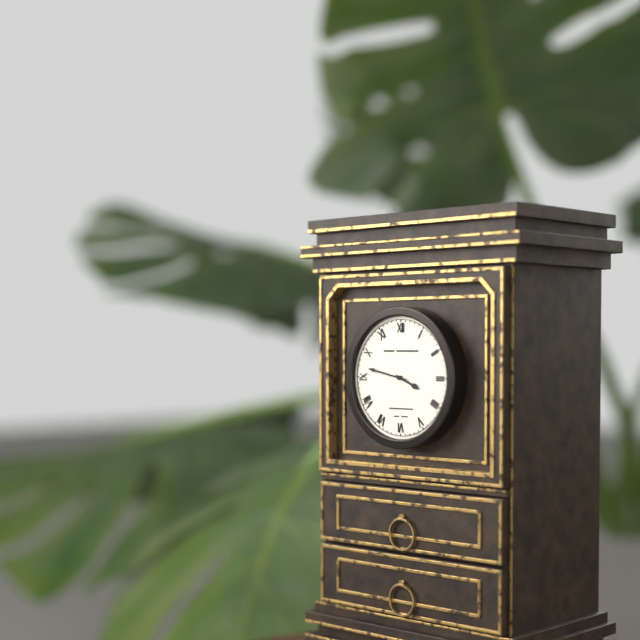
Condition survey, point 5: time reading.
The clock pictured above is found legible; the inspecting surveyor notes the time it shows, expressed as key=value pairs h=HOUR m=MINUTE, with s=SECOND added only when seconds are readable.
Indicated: h=3 m=47
